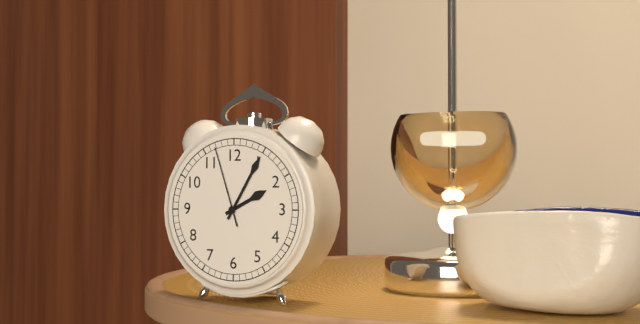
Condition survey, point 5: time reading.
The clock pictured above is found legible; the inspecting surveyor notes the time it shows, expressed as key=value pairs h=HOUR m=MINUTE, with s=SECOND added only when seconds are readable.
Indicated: h=2 m=5 s=57
